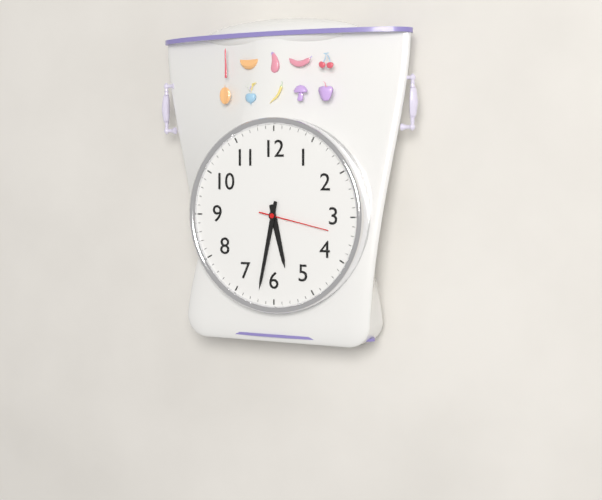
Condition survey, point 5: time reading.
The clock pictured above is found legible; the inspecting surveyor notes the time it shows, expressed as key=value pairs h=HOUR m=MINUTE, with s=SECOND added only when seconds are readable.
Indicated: h=5 m=32 s=17
